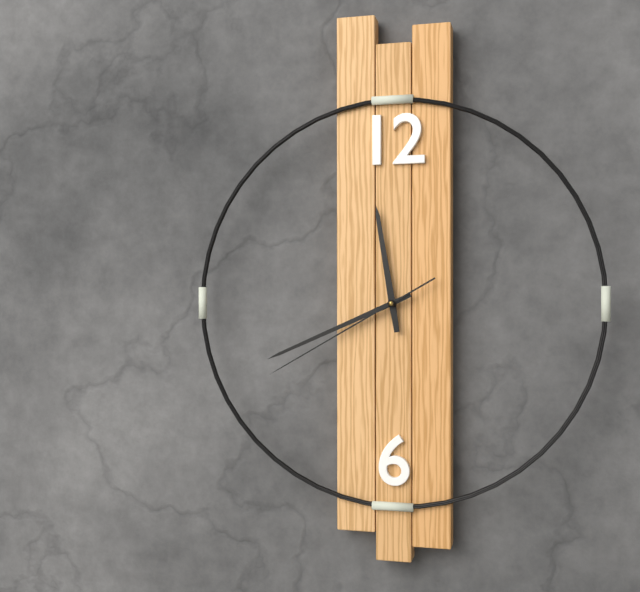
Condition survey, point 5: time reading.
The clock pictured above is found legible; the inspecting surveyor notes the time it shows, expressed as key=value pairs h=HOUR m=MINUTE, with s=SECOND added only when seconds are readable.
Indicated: h=11 m=41 s=40
